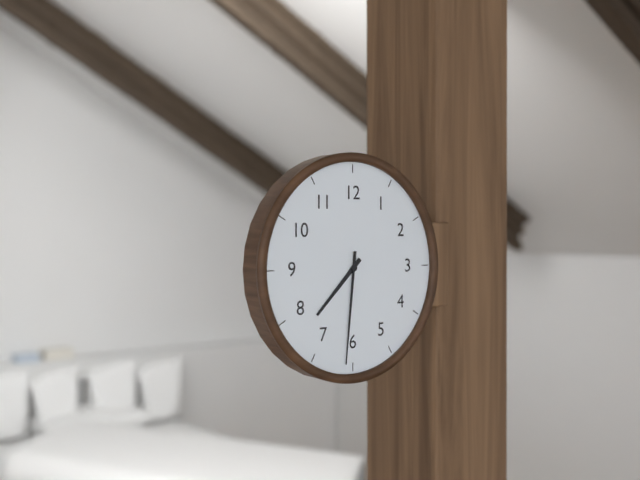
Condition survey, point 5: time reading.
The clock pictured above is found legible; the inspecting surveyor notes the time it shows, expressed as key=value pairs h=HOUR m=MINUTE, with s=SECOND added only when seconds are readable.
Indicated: h=7 m=31
